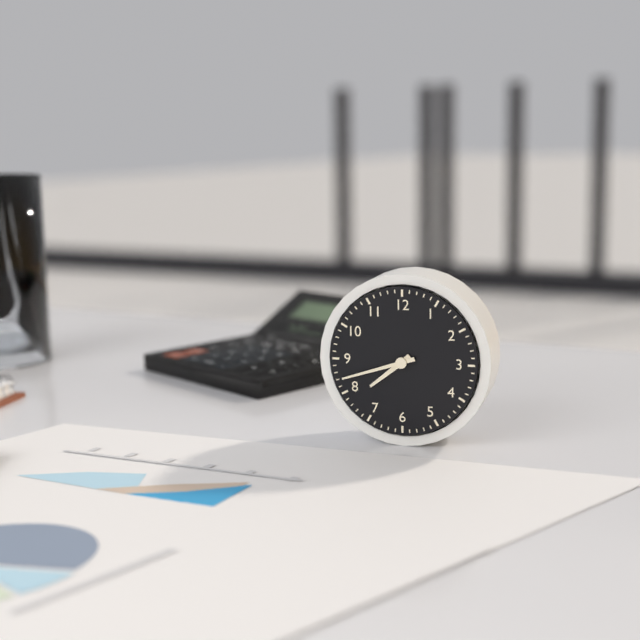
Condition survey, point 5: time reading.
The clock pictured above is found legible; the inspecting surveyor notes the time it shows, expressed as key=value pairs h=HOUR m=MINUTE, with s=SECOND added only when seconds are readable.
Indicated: h=7 m=42
